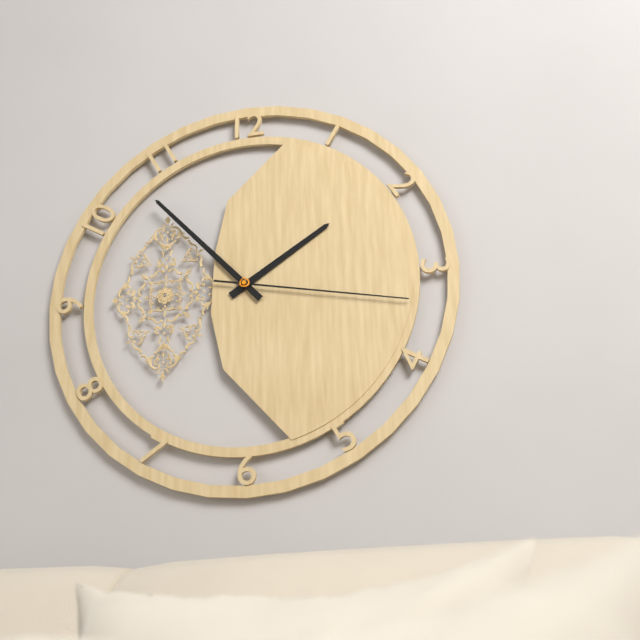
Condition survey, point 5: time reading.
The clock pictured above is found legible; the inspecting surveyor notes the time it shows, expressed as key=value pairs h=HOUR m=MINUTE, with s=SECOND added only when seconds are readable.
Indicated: h=1 m=53 s=17
